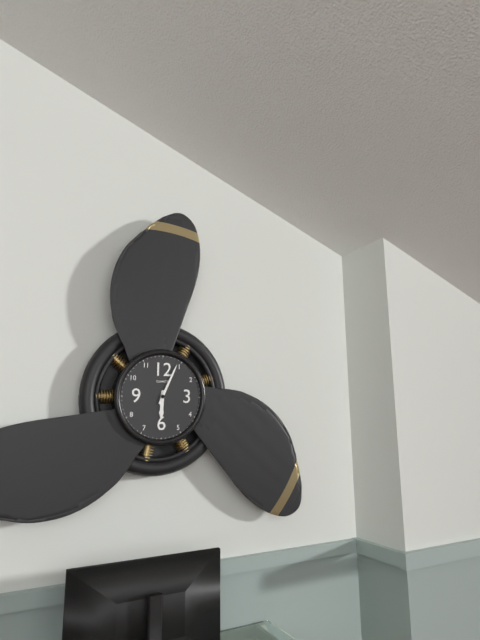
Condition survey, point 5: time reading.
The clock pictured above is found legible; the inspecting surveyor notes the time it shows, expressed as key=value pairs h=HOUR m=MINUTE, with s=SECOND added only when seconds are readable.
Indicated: h=6 m=4
